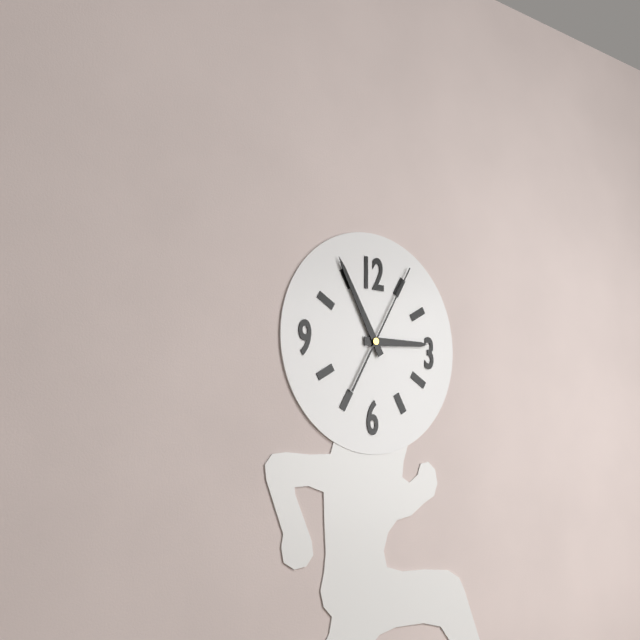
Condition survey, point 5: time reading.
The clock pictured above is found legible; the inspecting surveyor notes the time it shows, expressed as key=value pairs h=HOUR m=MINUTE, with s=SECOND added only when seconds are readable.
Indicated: h=2 m=55 s=5
